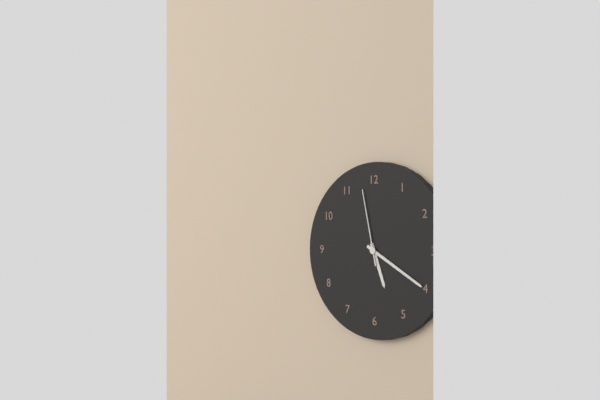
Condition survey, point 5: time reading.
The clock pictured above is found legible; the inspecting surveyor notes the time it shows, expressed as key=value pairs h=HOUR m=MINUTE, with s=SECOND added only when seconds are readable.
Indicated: h=5 m=20 s=58
